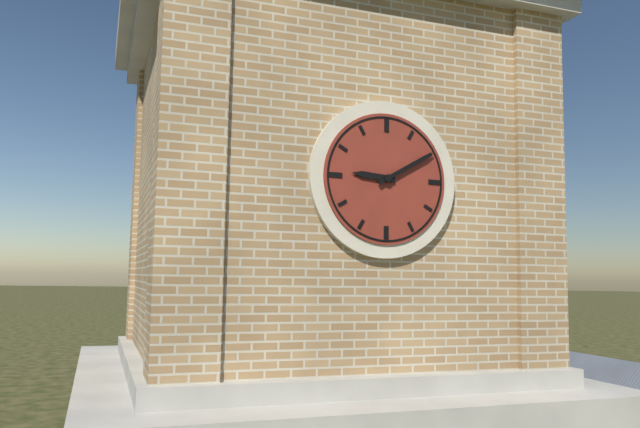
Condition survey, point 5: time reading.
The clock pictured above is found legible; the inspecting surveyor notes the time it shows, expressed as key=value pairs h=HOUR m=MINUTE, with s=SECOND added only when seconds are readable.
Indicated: h=9 m=10
